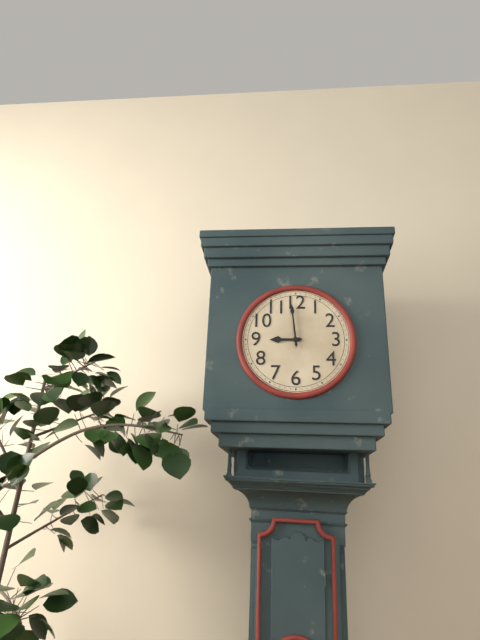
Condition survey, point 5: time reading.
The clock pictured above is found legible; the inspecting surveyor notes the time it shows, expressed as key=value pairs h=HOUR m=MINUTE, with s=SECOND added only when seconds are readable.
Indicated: h=8 m=59
